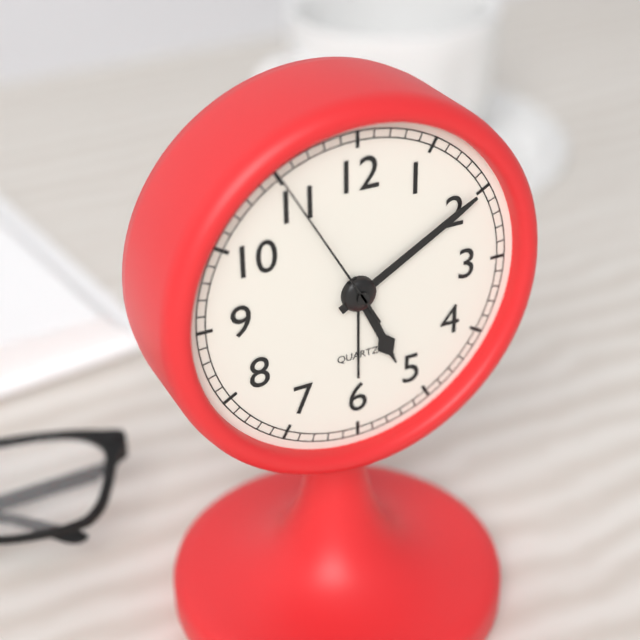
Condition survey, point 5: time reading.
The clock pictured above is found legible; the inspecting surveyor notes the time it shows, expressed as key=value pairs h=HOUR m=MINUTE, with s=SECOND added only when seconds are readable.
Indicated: h=5 m=10 s=55
